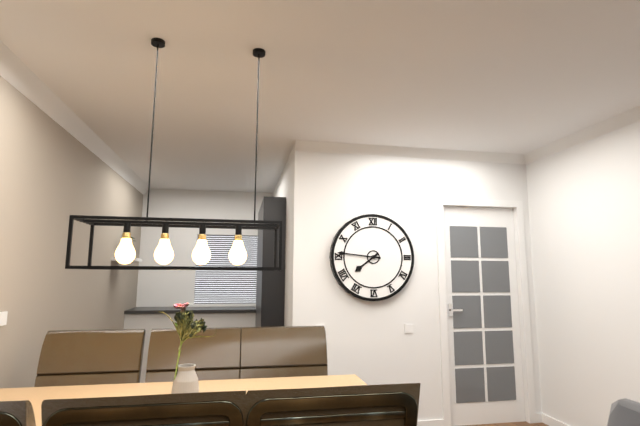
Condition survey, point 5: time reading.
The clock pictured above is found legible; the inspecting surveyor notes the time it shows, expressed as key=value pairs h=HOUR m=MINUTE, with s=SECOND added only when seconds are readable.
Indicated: h=7 m=46
